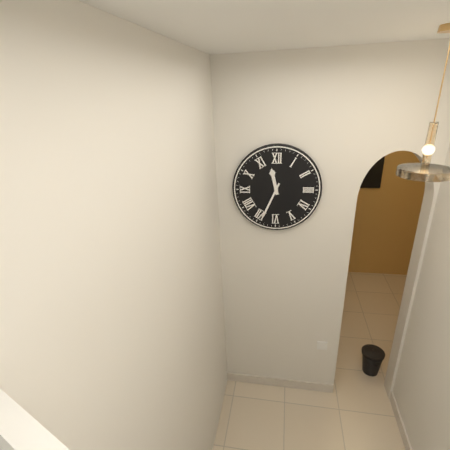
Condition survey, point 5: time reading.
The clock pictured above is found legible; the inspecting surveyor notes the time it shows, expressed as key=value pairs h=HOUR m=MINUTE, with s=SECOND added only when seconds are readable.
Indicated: h=11 m=34
